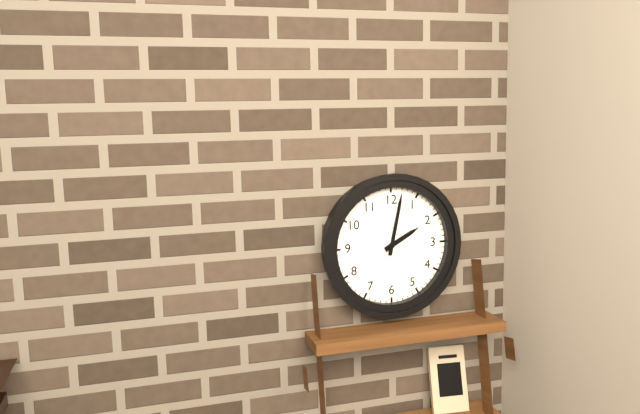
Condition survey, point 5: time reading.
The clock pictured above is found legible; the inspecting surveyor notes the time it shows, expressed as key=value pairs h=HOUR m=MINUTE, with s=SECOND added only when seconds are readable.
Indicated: h=2 m=2
